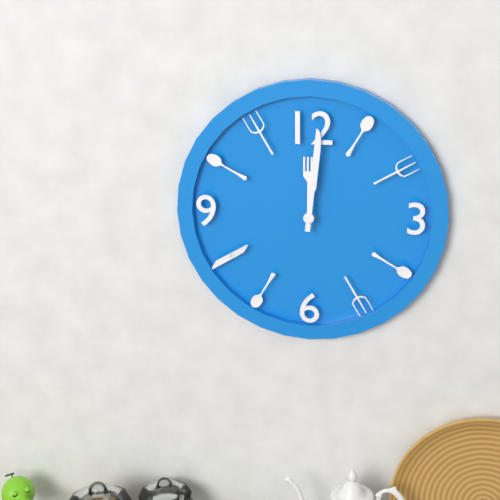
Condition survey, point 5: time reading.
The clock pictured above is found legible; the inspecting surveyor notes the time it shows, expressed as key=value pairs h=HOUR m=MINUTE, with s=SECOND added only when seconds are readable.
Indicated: h=12 m=1
